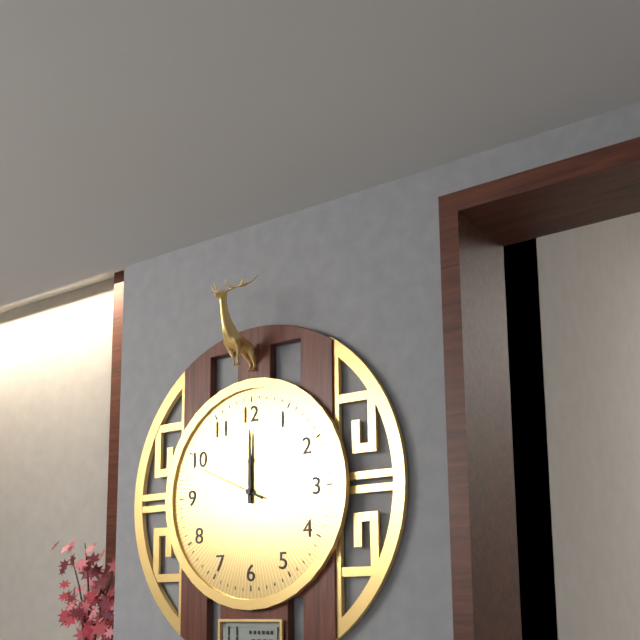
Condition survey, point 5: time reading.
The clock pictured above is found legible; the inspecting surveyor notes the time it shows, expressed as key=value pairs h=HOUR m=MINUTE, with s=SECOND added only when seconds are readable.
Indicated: h=12 m=0 s=49
